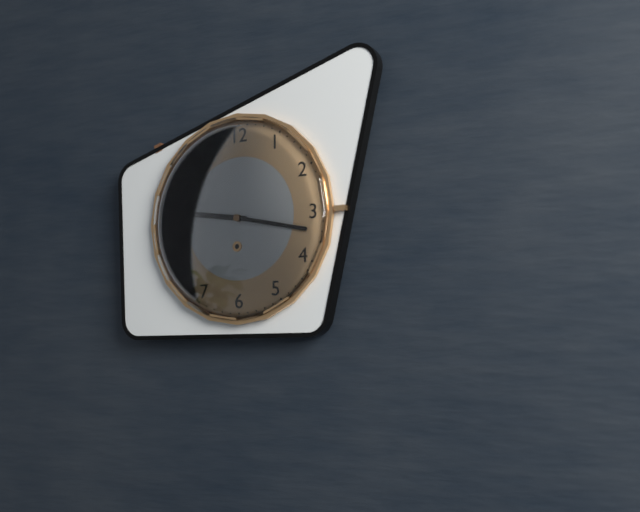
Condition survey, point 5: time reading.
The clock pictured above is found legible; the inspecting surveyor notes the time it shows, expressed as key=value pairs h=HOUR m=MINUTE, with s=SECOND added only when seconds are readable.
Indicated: h=9 m=17
